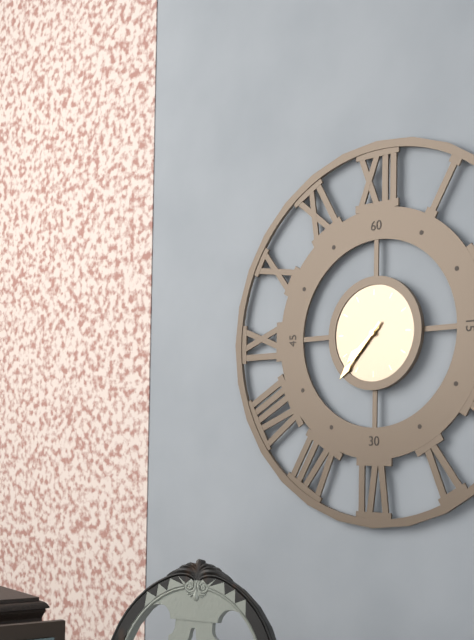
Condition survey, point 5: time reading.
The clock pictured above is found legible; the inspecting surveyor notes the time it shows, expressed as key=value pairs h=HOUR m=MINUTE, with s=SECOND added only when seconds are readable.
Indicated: h=7 m=37
